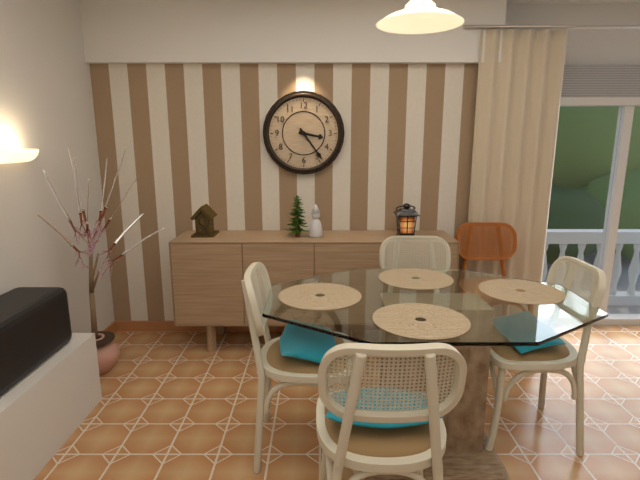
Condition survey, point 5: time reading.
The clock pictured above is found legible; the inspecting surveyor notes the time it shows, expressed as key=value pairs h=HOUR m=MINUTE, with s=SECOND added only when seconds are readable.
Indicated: h=3 m=24
